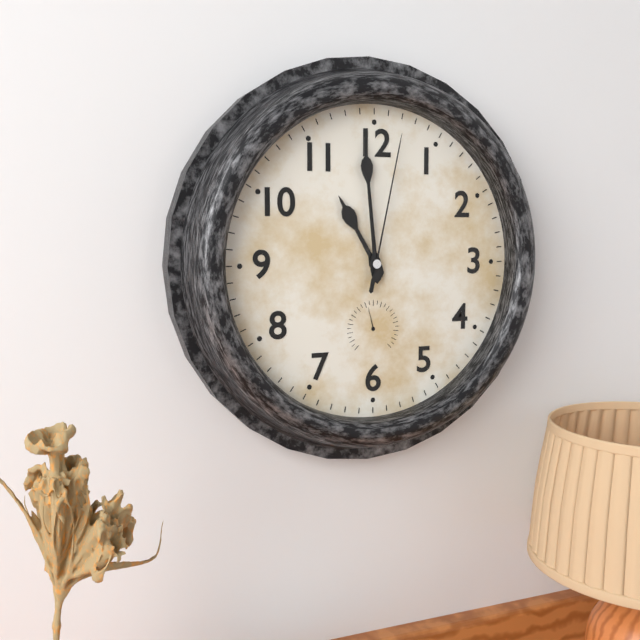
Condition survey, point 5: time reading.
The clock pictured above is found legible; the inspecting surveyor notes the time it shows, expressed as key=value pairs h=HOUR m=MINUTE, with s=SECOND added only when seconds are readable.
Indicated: h=10 m=59 s=2
